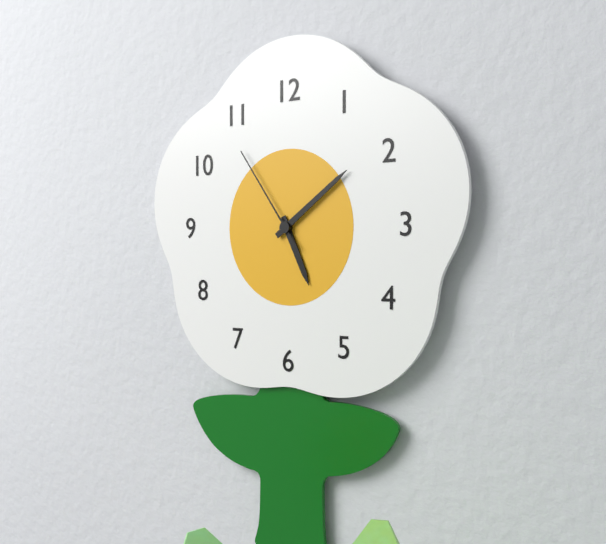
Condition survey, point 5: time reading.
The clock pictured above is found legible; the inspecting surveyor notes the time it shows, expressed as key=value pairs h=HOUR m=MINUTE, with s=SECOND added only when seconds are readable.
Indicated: h=5 m=9 s=54
